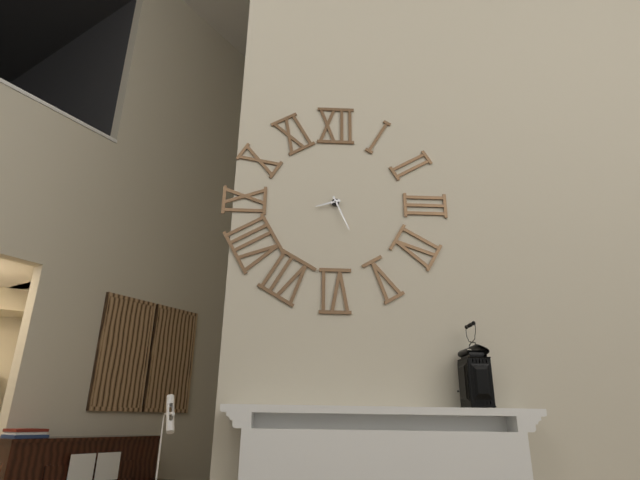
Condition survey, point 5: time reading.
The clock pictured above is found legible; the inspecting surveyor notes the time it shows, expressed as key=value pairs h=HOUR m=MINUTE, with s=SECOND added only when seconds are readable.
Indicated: h=8 m=26
